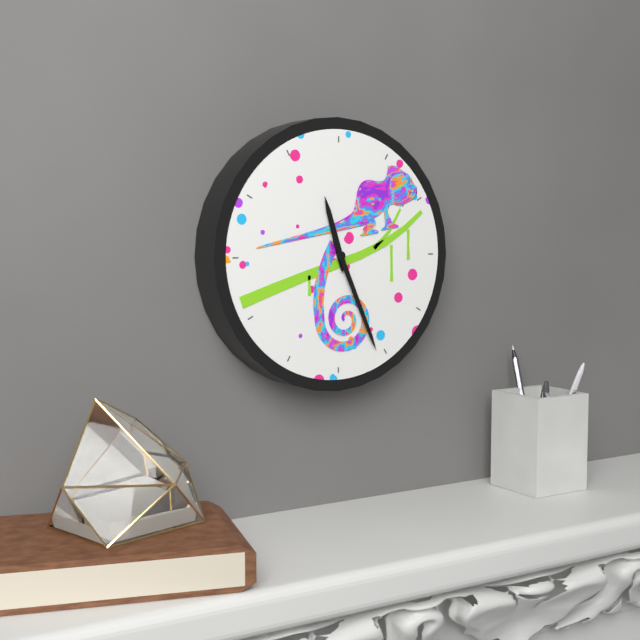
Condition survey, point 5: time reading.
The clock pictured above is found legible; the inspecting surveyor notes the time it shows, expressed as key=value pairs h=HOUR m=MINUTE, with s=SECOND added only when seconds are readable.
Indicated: h=11 m=26
